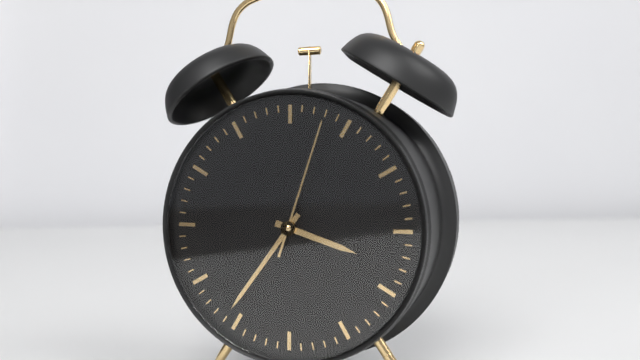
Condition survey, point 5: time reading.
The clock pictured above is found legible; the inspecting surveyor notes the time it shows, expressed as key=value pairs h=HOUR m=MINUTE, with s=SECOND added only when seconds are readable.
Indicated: h=3 m=36 s=3
